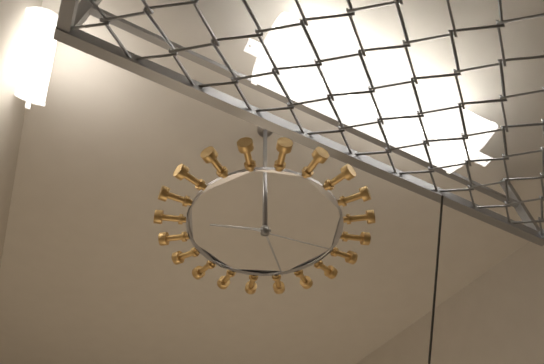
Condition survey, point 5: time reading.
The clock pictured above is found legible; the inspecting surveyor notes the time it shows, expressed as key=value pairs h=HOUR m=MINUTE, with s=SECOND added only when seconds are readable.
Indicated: h=8 m=23 s=14
